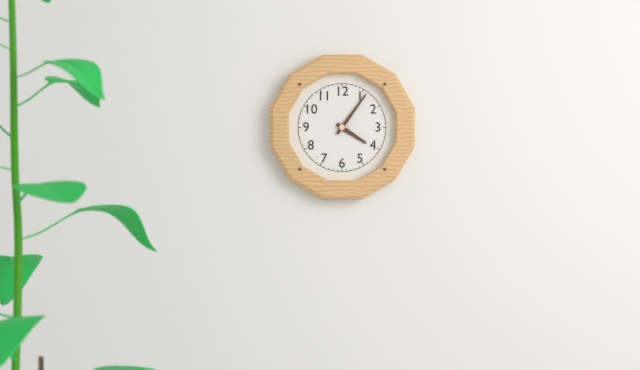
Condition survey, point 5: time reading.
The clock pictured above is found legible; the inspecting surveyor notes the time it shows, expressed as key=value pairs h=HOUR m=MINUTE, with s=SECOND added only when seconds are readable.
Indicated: h=4 m=6
